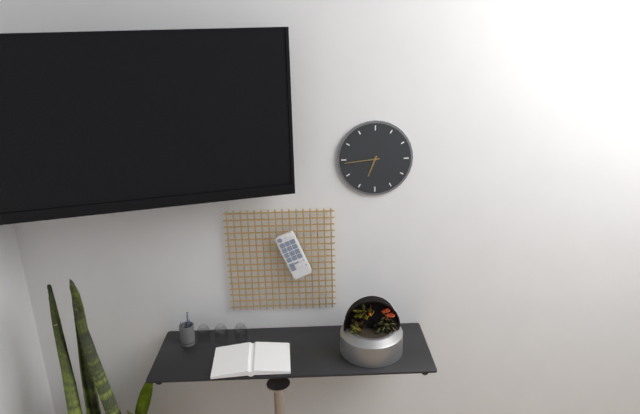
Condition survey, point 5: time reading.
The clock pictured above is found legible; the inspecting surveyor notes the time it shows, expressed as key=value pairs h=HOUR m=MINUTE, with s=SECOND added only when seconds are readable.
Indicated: h=6 m=44
